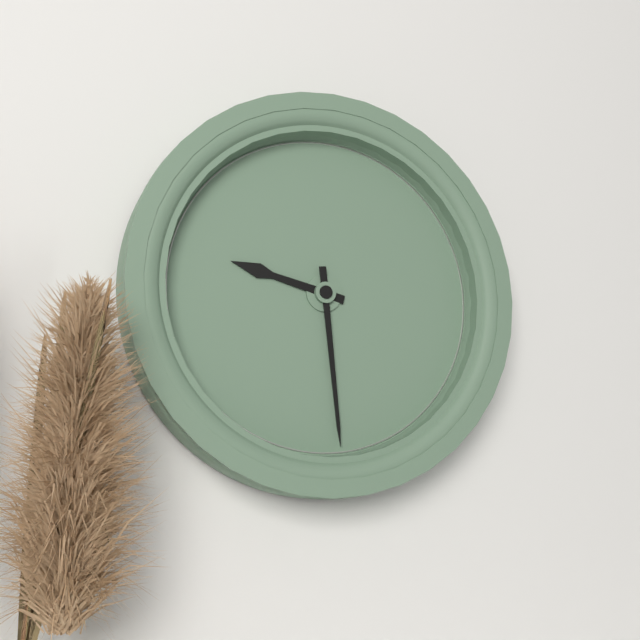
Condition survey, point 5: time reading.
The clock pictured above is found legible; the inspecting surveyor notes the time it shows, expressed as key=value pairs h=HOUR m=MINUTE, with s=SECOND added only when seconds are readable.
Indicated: h=9 m=29
